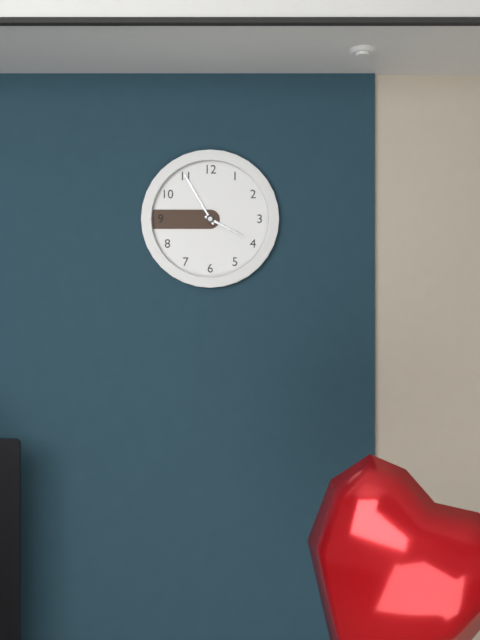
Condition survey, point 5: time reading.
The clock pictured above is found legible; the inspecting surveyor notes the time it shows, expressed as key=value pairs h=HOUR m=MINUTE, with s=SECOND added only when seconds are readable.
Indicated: h=3 m=55
